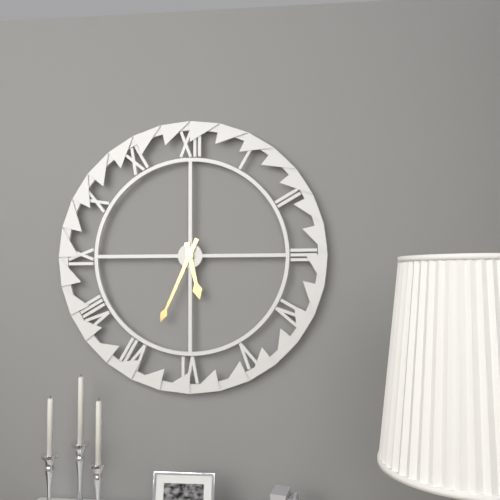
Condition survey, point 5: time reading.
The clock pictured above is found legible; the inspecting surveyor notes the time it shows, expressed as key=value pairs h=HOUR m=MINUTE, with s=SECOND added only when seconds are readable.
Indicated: h=5 m=34
